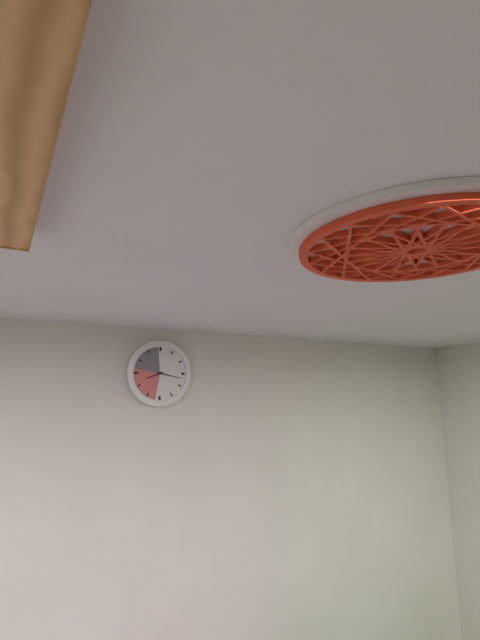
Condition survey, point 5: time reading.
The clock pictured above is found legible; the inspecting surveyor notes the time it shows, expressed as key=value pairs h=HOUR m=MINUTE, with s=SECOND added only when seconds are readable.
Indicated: h=8 m=17
